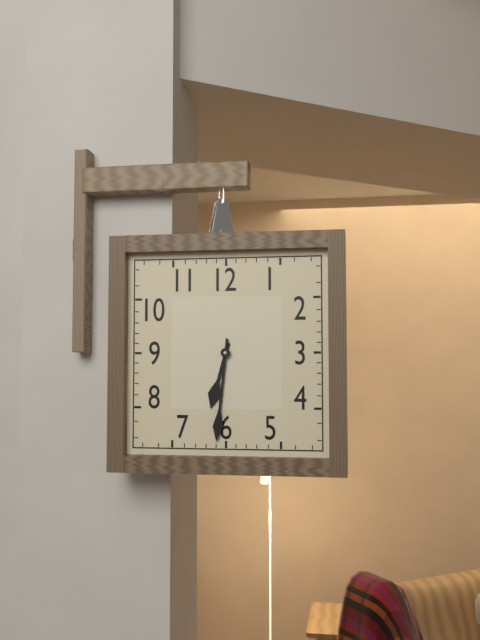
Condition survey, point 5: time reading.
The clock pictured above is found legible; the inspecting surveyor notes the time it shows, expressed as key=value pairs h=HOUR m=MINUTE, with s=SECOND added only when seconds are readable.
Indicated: h=6 m=31
